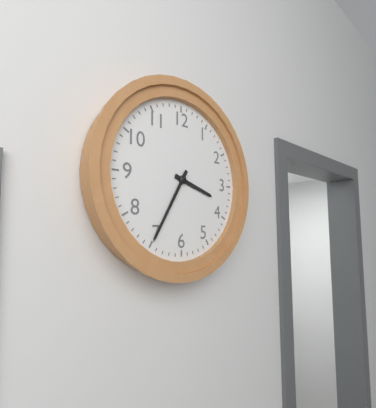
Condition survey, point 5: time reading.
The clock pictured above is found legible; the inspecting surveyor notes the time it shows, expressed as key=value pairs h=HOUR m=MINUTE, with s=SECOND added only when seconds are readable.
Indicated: h=3 m=35
